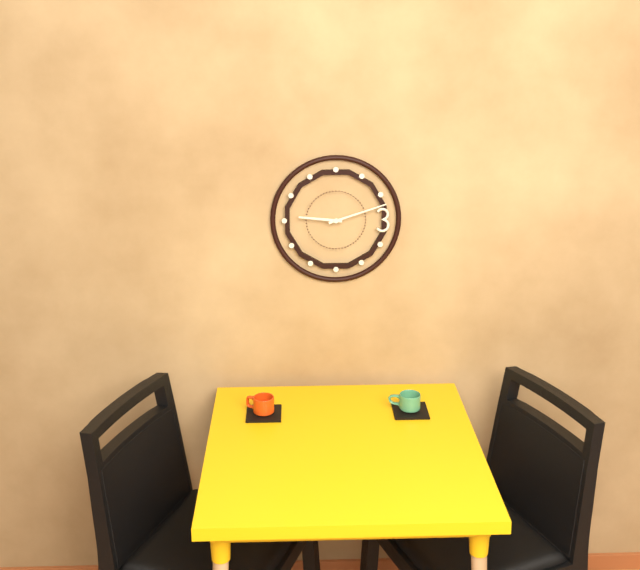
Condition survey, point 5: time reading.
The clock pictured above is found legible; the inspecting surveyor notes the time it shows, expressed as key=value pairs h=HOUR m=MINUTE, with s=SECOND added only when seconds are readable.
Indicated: h=9 m=12
